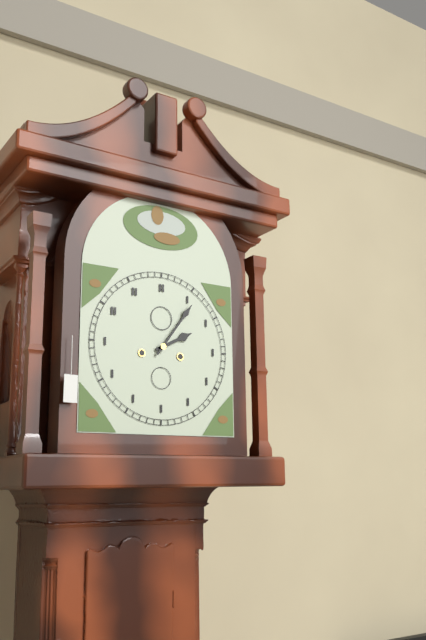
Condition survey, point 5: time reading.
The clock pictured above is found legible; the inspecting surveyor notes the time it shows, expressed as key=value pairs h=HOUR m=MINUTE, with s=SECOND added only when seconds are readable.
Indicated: h=2 m=6
